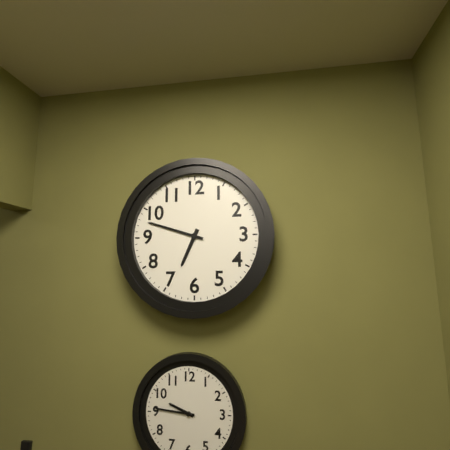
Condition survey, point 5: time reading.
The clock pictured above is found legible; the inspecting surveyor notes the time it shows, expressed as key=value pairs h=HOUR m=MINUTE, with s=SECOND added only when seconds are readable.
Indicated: h=6 m=48
